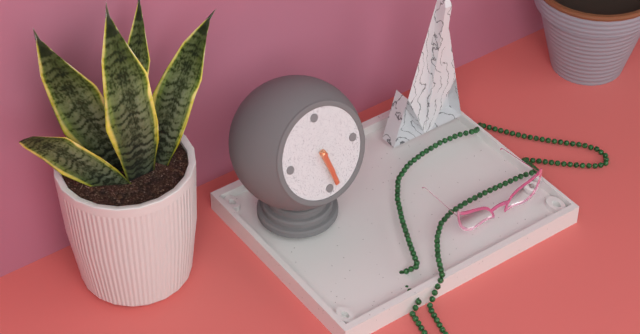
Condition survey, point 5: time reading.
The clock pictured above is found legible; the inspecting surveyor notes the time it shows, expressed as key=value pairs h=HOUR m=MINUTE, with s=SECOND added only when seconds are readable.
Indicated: h=5 m=28
